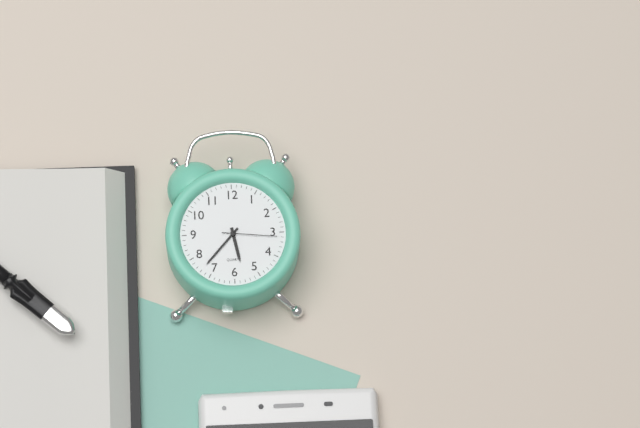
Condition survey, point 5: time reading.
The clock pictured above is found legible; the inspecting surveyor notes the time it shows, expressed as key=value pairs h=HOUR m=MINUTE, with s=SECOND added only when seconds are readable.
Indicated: h=5 m=37 s=16
